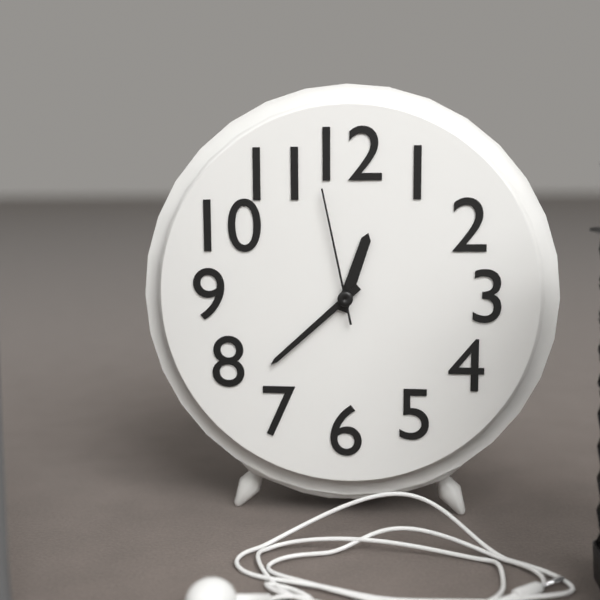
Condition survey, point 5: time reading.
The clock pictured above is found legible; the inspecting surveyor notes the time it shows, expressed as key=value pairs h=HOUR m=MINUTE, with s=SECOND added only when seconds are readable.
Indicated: h=12 m=38 s=58
